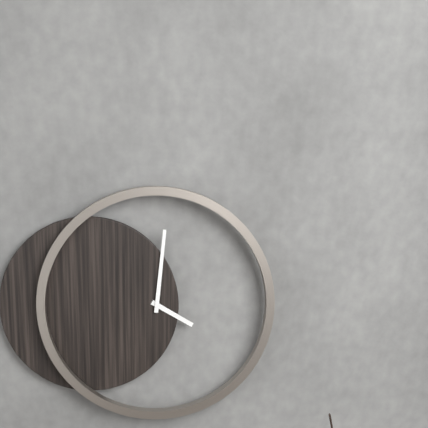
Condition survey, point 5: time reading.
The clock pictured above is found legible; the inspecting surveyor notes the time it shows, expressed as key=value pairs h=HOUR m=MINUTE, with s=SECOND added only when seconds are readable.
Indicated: h=4 m=1
